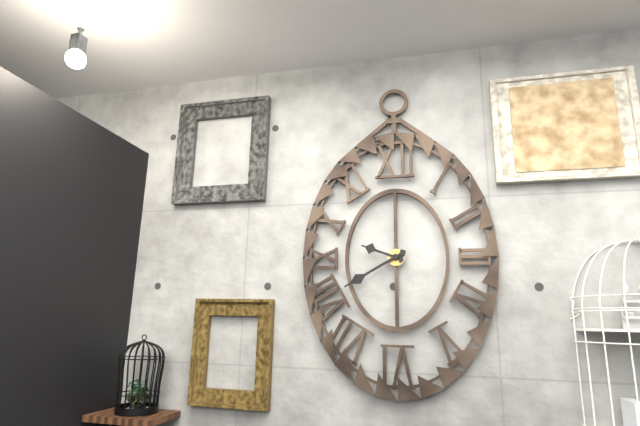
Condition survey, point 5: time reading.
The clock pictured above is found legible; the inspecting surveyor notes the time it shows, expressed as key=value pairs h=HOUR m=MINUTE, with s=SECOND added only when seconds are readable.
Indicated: h=9 m=40
